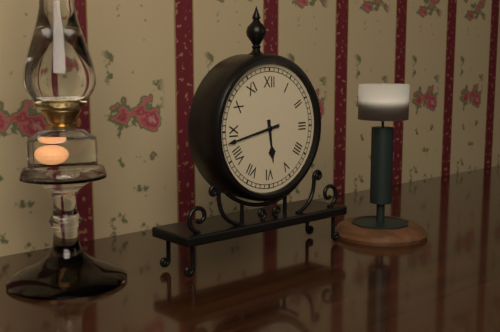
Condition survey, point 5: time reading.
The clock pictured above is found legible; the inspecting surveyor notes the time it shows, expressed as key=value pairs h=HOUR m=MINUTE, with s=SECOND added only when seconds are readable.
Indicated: h=5 m=43
